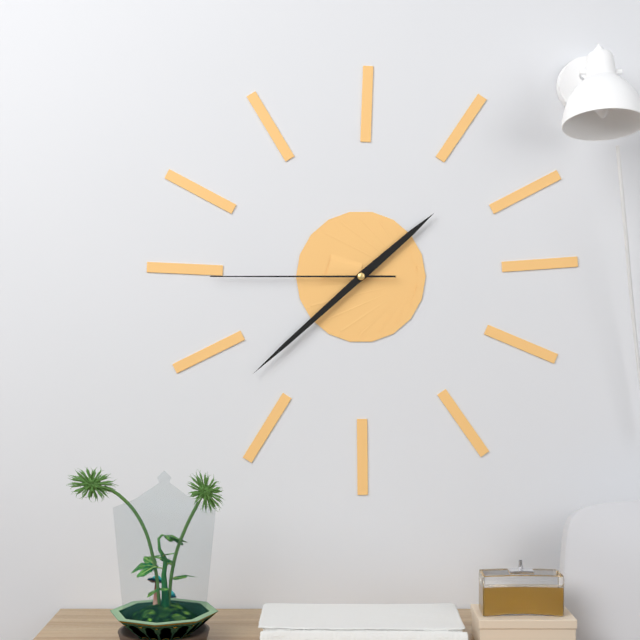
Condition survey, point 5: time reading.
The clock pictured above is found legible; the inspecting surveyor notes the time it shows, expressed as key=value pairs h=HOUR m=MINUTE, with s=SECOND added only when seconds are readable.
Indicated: h=1 m=38 s=45
